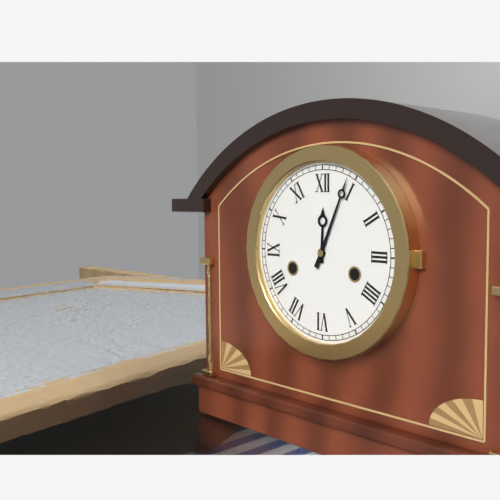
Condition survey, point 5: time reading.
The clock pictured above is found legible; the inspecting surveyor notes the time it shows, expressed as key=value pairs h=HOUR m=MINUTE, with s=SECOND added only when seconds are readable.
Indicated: h=12 m=4
